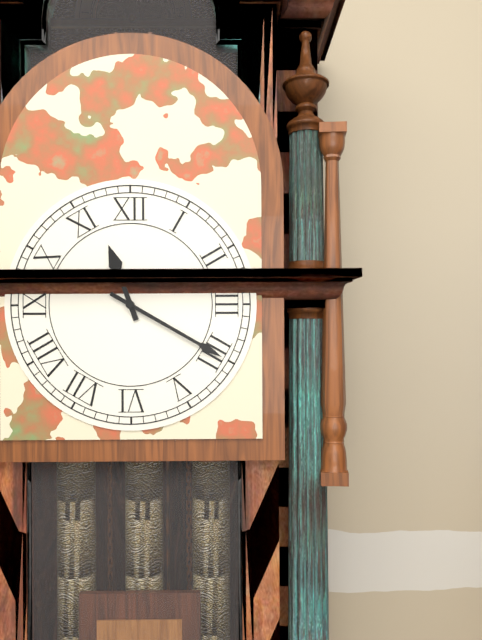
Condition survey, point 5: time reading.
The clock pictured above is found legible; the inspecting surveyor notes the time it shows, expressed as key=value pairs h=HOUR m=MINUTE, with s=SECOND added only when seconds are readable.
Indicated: h=11 m=20
